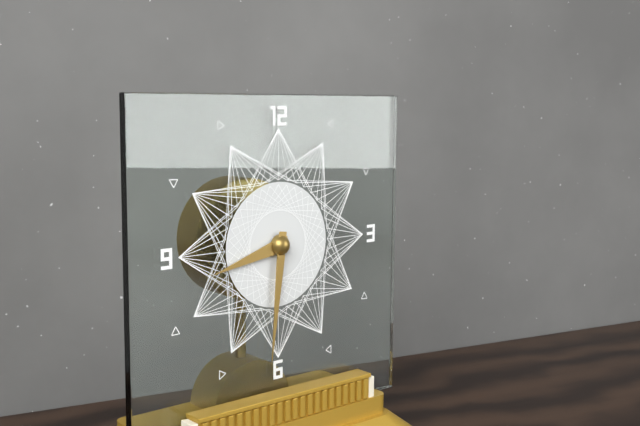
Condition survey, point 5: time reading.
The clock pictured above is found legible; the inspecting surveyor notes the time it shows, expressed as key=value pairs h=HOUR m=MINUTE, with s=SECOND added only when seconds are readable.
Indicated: h=8 m=31
